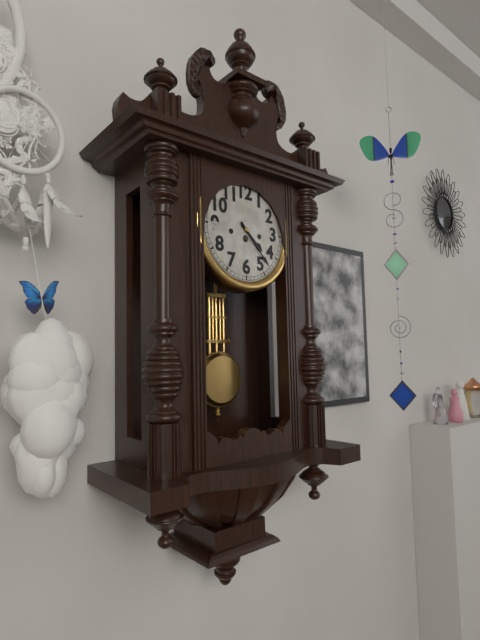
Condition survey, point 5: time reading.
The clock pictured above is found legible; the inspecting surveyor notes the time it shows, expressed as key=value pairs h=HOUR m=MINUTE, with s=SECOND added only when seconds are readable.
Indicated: h=4 m=23
